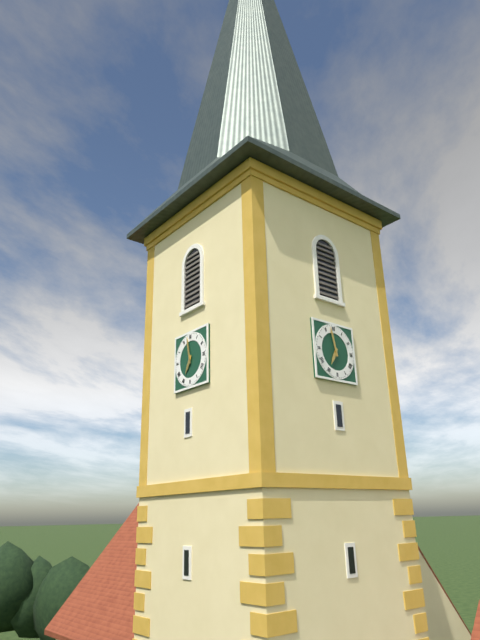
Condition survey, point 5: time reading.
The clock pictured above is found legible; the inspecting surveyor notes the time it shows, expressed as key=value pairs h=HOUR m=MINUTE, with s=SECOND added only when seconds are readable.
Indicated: h=6 m=58
